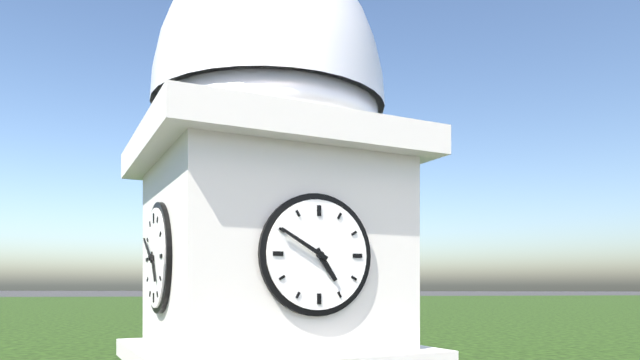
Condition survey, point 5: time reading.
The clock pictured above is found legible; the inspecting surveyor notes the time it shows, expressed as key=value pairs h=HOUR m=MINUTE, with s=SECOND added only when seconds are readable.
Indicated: h=4 m=50
